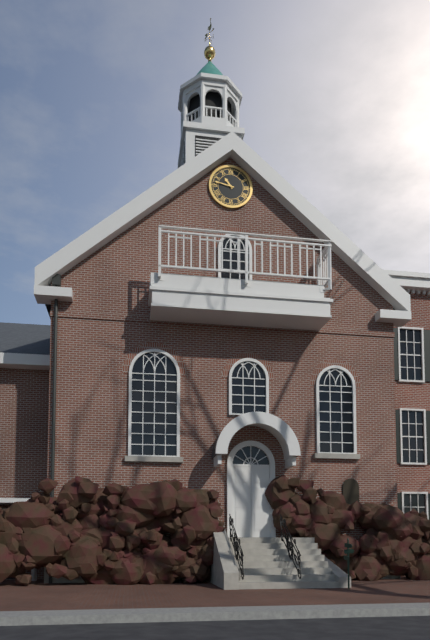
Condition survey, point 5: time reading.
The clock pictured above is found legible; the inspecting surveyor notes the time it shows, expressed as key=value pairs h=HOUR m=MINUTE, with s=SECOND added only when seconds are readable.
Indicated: h=10 m=47
